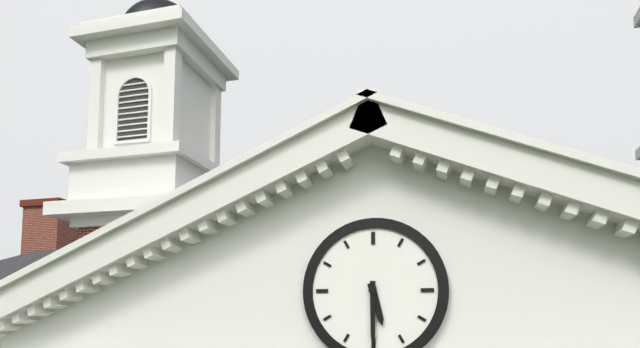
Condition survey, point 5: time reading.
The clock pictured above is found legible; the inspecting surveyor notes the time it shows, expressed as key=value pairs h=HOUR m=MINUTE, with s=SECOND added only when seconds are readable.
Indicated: h=5 m=30
